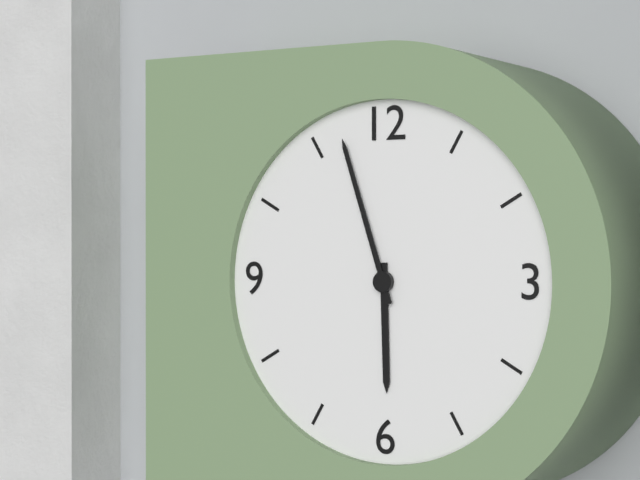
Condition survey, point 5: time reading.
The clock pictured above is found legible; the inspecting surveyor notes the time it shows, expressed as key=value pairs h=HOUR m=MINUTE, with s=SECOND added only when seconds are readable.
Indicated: h=5 m=57
